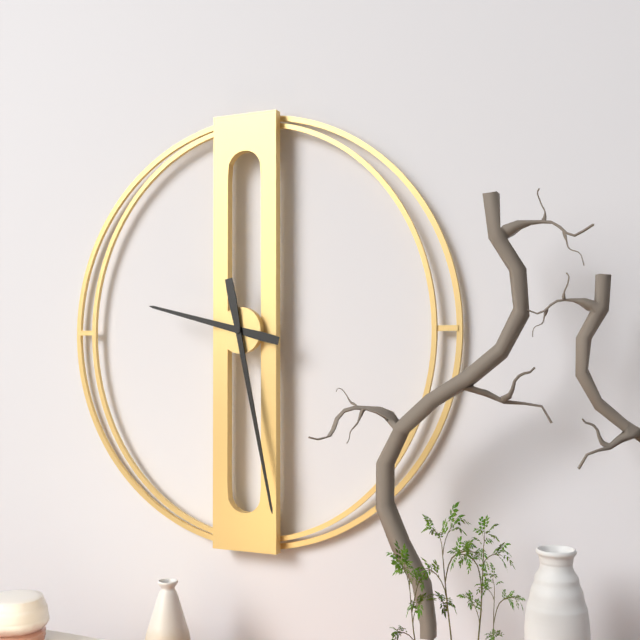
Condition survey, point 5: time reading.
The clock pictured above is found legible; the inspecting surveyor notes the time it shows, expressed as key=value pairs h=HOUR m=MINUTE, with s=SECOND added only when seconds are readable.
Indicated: h=9 m=28
